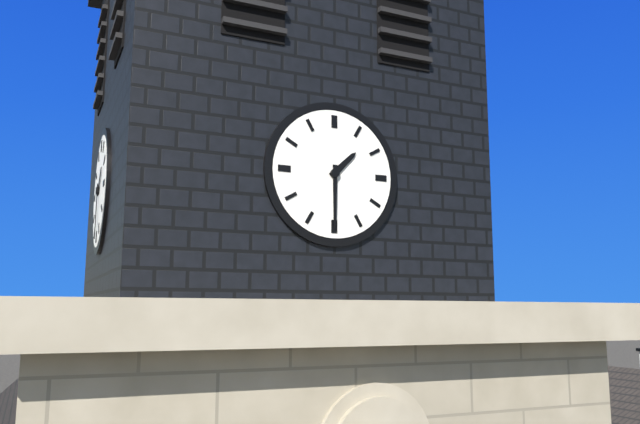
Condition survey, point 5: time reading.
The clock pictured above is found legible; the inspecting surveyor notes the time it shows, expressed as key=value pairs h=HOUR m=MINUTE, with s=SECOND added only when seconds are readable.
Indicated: h=1 m=30
